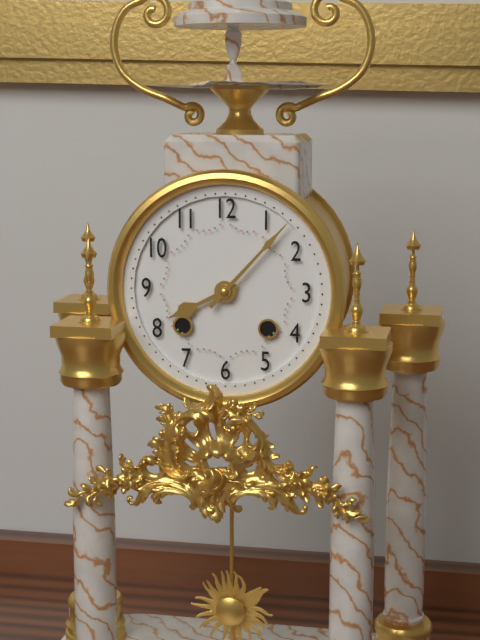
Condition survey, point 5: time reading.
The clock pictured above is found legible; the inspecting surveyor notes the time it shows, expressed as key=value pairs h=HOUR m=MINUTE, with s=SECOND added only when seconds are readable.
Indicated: h=8 m=7
